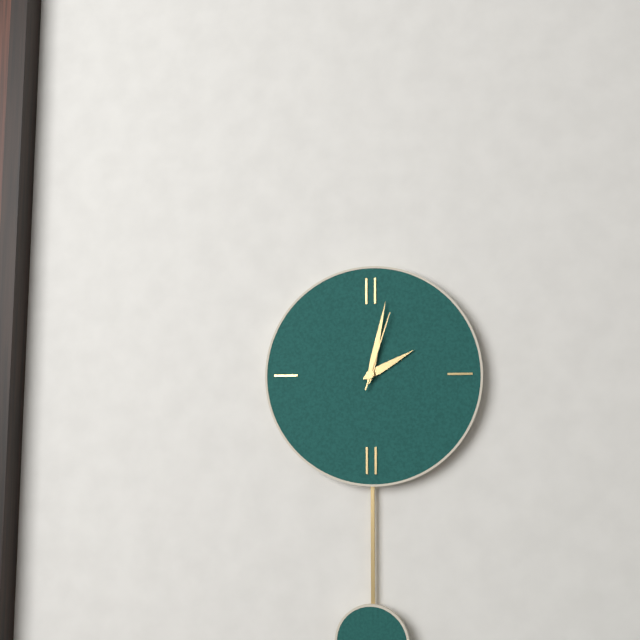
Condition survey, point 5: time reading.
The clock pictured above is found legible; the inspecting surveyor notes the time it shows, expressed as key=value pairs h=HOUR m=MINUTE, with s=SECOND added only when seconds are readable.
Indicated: h=2 m=2 s=3
